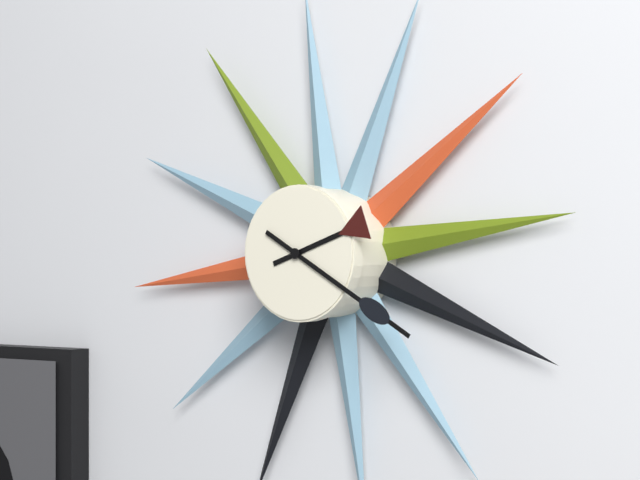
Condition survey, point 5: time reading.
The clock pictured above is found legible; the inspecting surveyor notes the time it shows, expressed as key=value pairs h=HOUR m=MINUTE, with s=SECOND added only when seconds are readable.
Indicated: h=2 m=20
